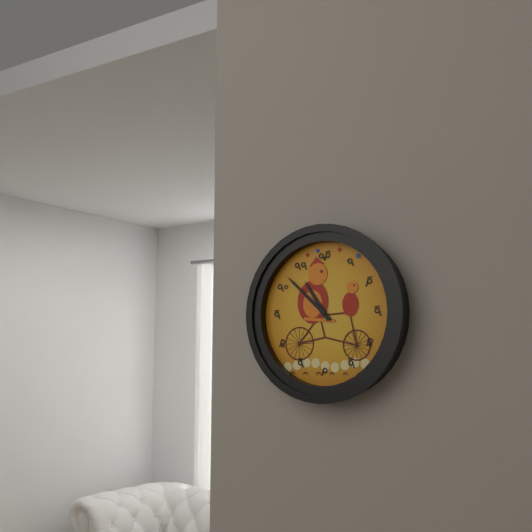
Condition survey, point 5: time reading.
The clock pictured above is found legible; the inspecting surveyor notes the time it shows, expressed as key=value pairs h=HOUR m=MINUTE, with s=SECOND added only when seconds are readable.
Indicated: h=10 m=52
